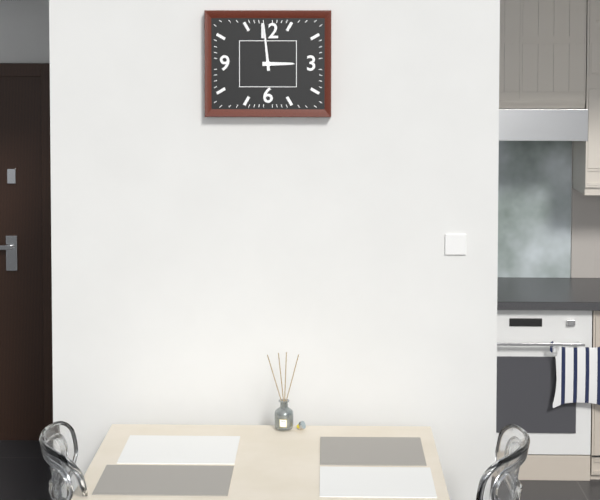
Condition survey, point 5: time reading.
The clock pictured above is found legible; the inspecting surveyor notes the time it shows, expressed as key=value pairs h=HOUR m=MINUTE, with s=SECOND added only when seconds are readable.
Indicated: h=2 m=59
